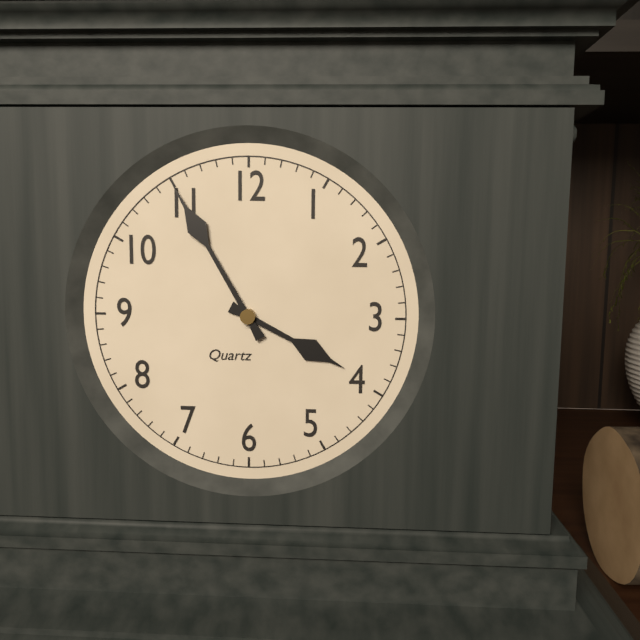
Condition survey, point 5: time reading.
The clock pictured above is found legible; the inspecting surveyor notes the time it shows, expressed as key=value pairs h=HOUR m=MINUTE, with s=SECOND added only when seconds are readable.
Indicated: h=3 m=55
